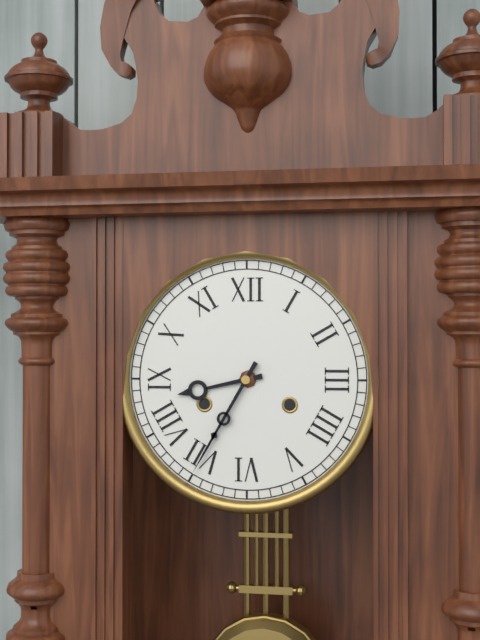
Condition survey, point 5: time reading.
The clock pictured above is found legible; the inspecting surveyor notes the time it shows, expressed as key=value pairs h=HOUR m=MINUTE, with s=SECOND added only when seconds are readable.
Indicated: h=8 m=35
